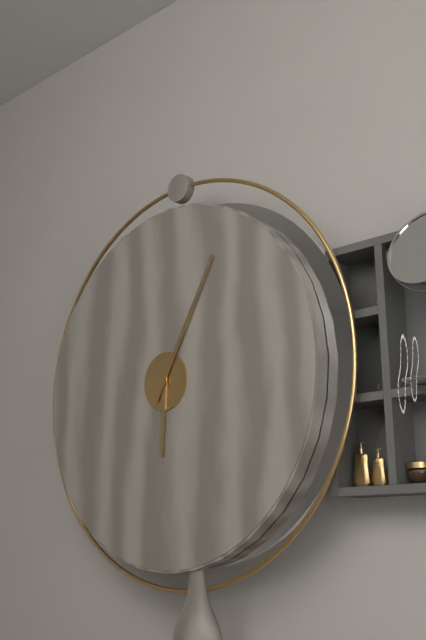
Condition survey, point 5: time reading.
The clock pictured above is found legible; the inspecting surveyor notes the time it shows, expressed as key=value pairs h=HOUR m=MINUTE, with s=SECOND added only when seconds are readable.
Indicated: h=6 m=5
